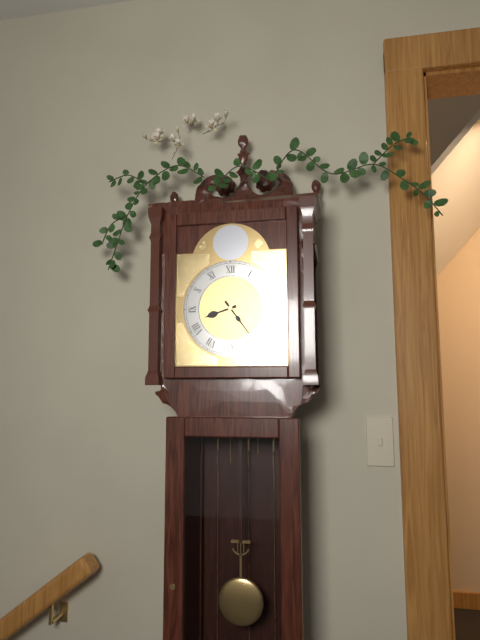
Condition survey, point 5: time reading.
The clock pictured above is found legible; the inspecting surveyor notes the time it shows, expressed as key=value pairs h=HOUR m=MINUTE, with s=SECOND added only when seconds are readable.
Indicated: h=8 m=24
